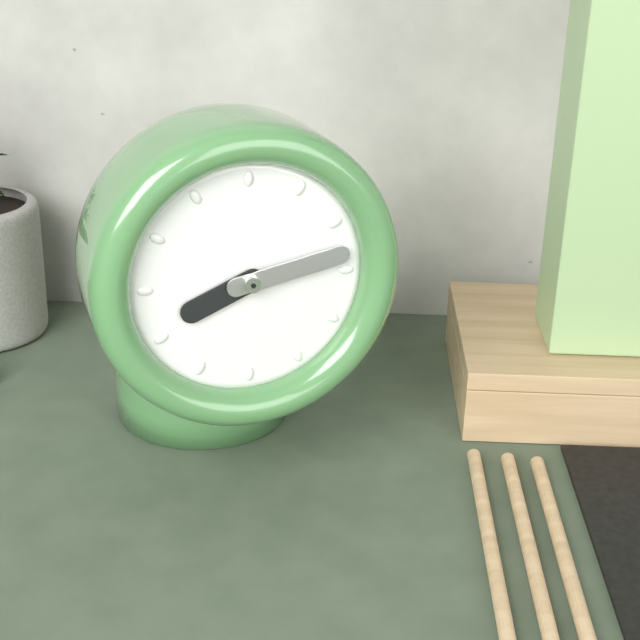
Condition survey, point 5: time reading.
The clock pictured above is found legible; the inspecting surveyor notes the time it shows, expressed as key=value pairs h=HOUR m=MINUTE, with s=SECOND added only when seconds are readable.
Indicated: h=8 m=13
